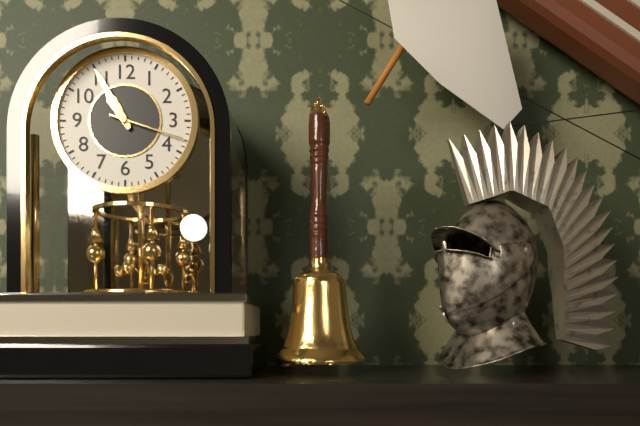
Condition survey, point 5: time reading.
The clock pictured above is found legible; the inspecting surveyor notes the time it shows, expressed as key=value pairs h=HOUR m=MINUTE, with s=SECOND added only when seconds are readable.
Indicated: h=10 m=55 s=18
